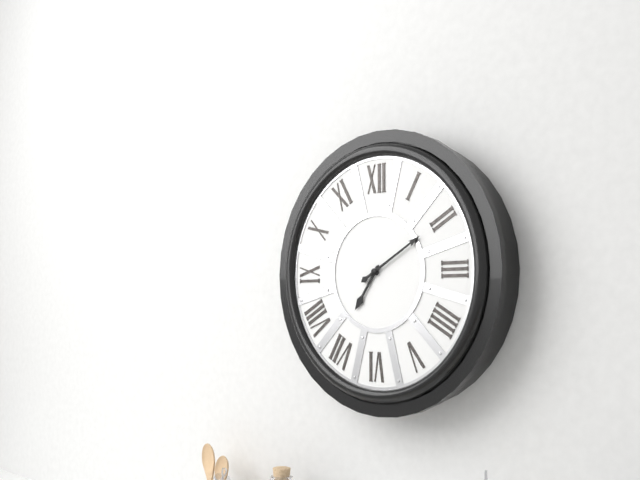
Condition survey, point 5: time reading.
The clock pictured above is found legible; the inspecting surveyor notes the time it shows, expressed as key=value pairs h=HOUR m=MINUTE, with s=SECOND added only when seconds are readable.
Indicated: h=7 m=10
